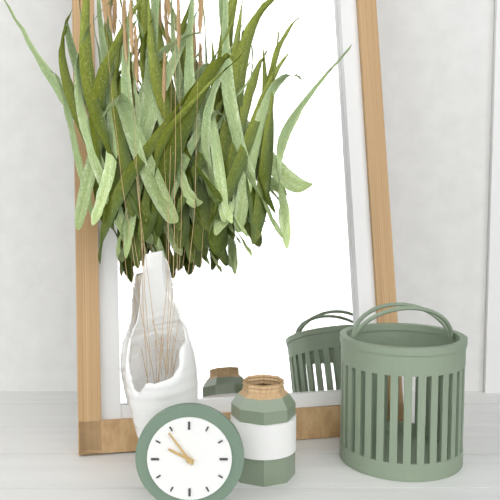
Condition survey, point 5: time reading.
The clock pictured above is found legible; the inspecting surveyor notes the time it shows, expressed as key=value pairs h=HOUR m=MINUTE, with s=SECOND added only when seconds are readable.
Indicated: h=9 m=54
